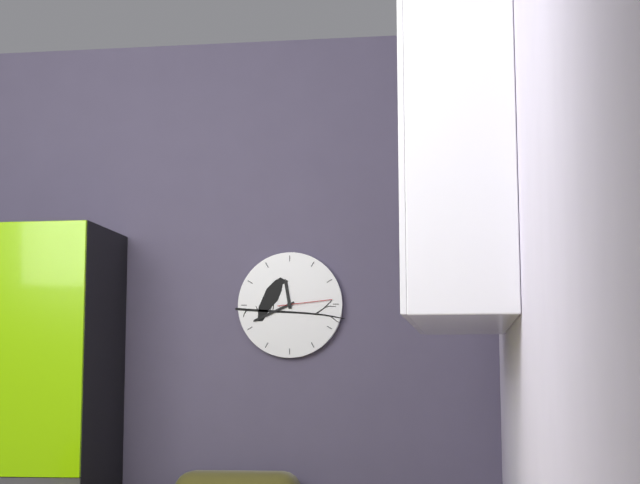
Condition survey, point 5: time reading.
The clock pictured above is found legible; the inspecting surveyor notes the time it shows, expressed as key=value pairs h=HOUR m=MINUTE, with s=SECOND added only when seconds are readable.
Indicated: h=11 m=41 s=14
